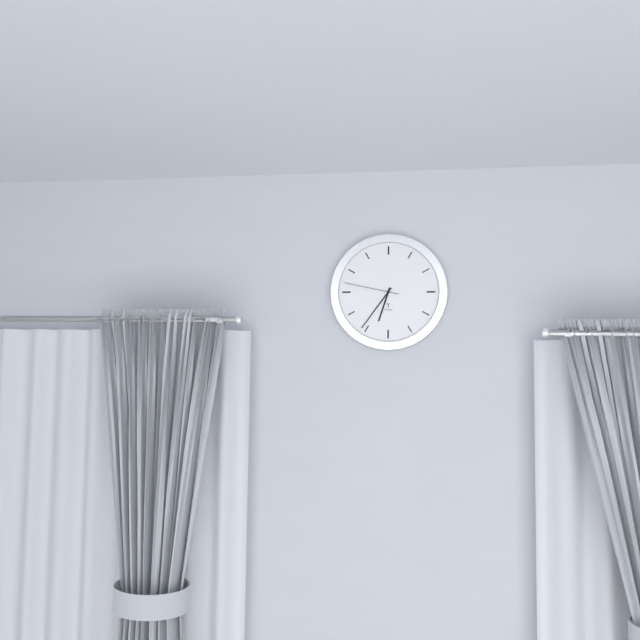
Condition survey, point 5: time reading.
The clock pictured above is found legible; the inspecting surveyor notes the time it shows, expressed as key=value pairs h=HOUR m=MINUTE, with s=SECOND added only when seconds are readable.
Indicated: h=6 m=36 s=47
